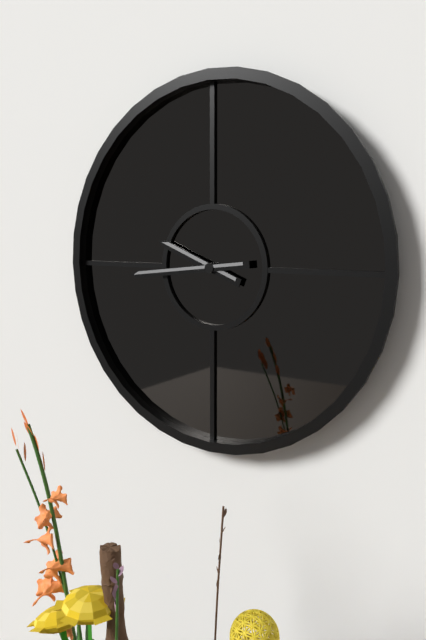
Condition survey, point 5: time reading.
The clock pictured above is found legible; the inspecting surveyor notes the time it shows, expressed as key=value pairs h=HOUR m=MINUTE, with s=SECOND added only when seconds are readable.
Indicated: h=9 m=44
